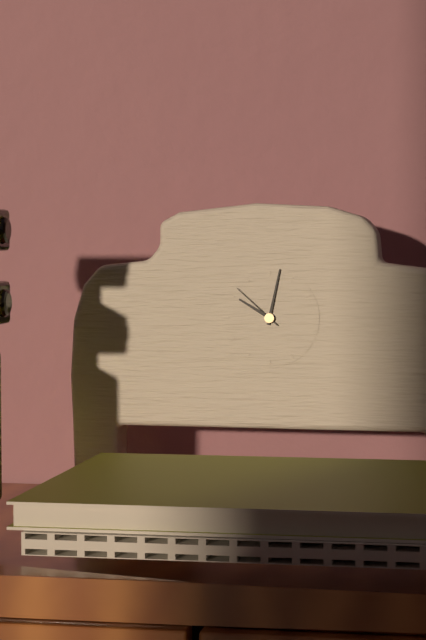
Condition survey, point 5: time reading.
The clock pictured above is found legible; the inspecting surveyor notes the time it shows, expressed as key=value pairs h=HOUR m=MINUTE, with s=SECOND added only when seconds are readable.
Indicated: h=10 m=2 s=52
